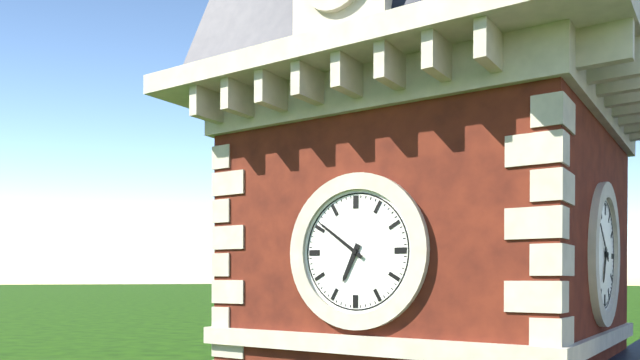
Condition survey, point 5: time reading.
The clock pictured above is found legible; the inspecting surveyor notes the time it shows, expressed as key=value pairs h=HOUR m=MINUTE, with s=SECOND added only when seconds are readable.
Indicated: h=6 m=51
